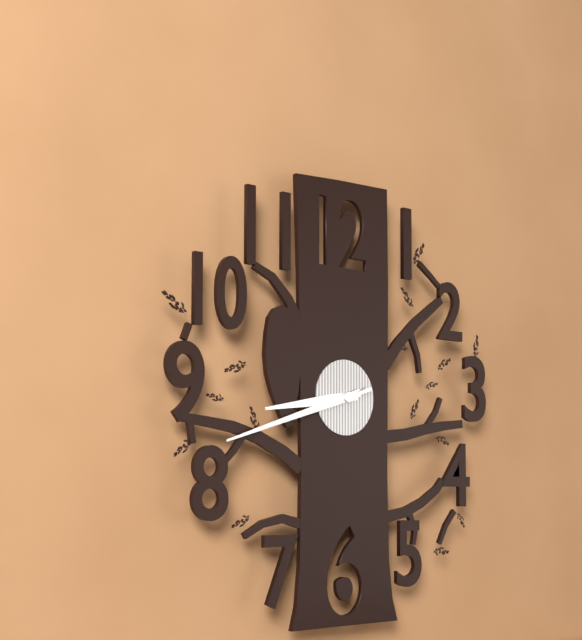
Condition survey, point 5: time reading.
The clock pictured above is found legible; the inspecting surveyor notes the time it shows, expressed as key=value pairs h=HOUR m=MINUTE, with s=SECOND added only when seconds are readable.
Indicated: h=8 m=42 s=42
